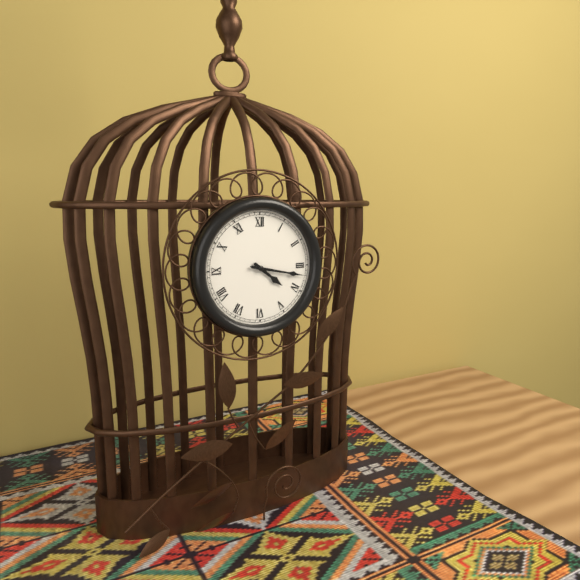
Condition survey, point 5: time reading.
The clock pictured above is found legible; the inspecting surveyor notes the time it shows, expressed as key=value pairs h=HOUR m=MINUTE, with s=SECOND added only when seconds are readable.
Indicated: h=4 m=17
